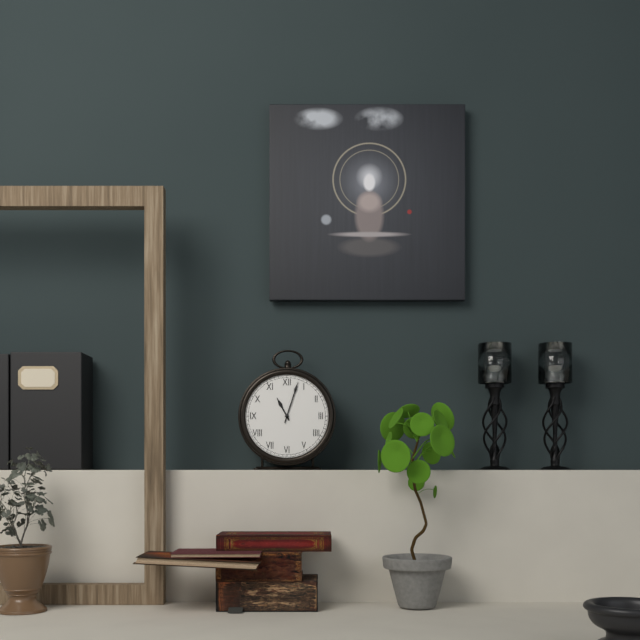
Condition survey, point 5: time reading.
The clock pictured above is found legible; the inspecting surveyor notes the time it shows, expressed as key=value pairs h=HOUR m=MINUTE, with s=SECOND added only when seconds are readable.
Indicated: h=11 m=3
